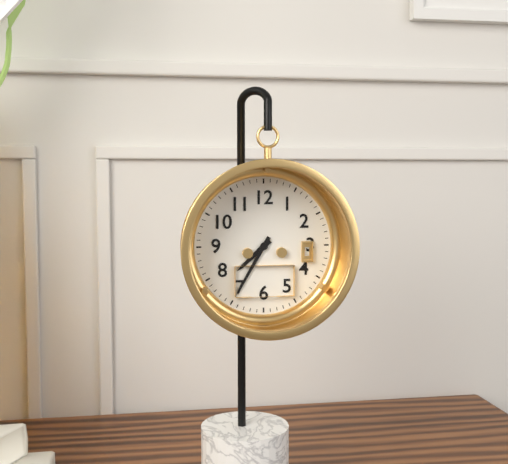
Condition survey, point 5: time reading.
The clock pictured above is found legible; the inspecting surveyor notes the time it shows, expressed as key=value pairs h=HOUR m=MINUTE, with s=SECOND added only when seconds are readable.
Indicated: h=7 m=35
